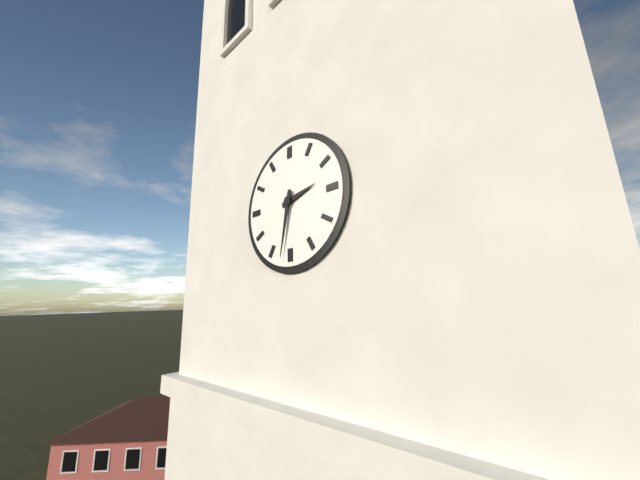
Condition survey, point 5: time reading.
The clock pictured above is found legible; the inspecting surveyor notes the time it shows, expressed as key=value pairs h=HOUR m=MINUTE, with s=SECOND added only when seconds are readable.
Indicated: h=2 m=32
